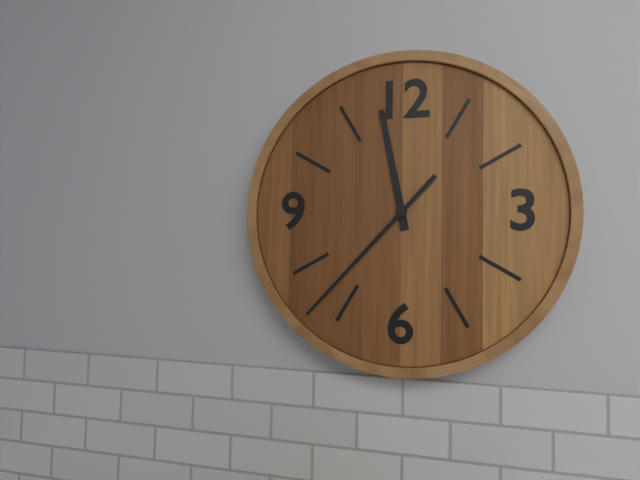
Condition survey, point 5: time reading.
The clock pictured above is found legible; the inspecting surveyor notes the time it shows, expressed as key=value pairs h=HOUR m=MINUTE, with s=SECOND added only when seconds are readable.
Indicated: h=11 m=37
